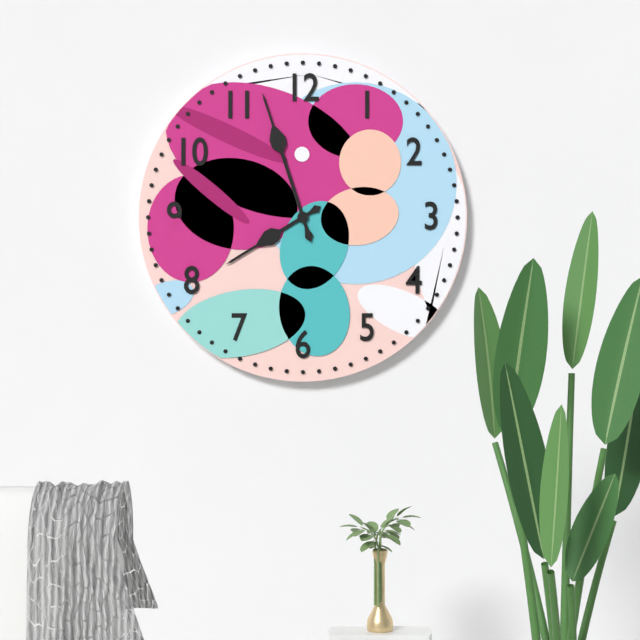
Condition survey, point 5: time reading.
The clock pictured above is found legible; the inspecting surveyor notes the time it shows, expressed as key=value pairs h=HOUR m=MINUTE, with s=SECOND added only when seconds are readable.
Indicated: h=7 m=57
